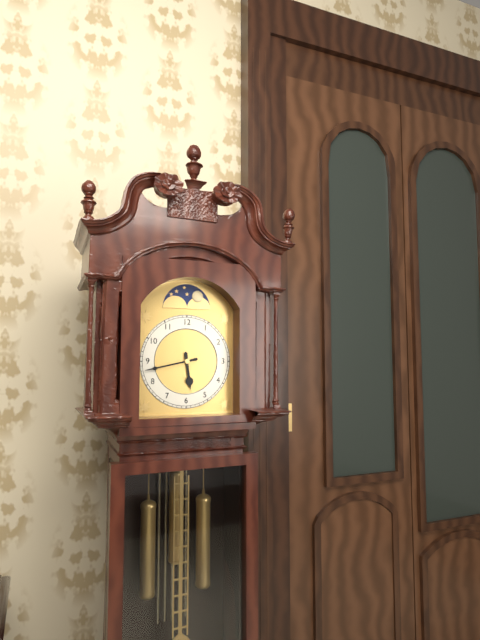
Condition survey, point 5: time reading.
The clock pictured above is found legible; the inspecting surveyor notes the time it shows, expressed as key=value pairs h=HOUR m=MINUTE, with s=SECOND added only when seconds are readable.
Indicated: h=5 m=43
